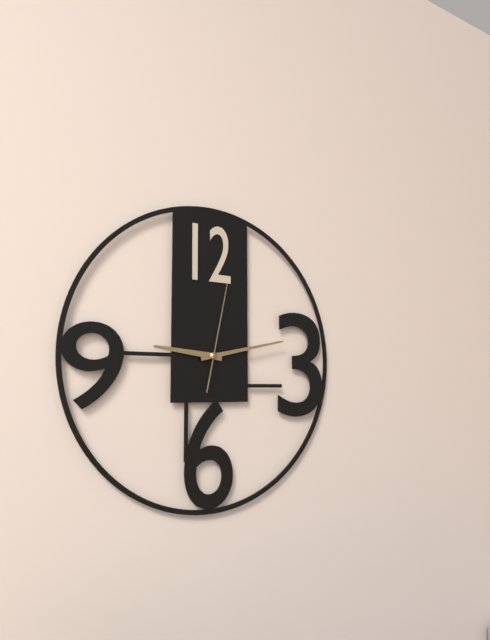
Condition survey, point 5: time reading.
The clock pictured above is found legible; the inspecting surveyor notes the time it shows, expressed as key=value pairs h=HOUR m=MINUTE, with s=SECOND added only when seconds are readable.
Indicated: h=9 m=13 s=2
